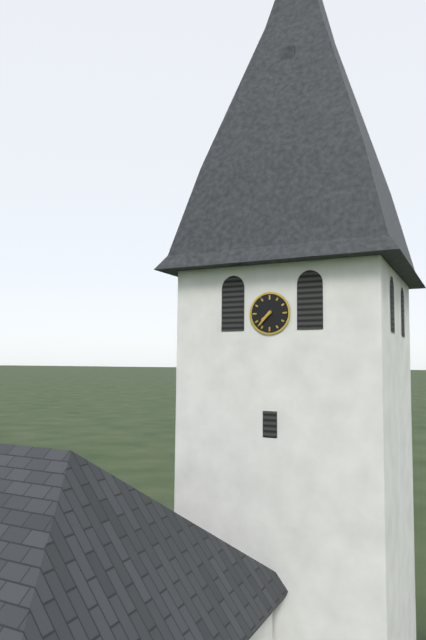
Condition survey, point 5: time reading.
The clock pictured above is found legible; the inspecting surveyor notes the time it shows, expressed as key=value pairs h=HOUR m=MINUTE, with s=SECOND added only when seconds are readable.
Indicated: h=7 m=37
